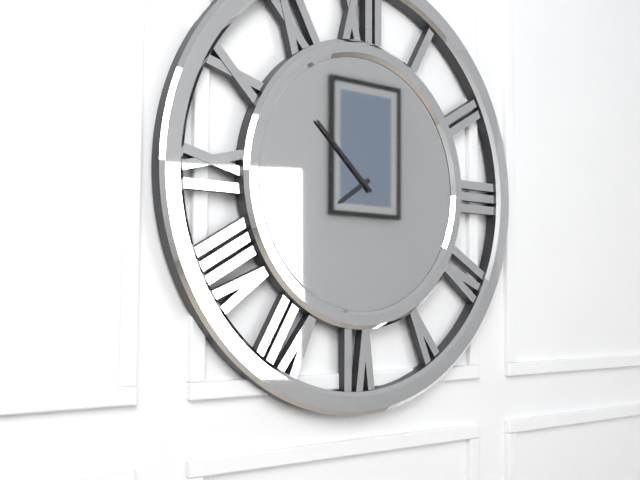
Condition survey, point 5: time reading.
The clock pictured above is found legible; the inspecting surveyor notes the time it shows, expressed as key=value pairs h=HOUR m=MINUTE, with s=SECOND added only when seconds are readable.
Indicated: h=7 m=52
